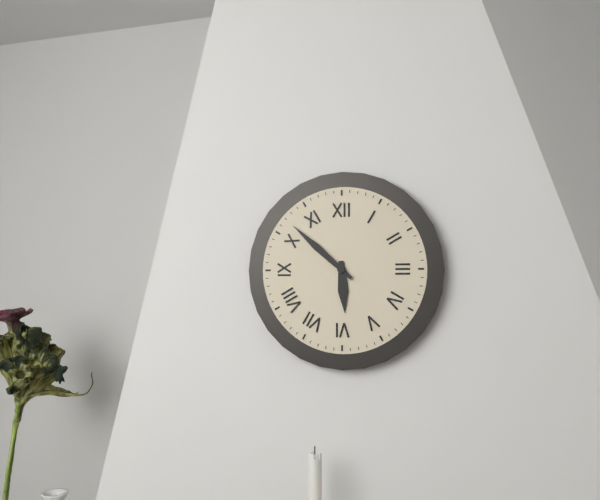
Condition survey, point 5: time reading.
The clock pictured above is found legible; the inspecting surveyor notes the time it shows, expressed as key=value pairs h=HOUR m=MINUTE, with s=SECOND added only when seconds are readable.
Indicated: h=5 m=52
